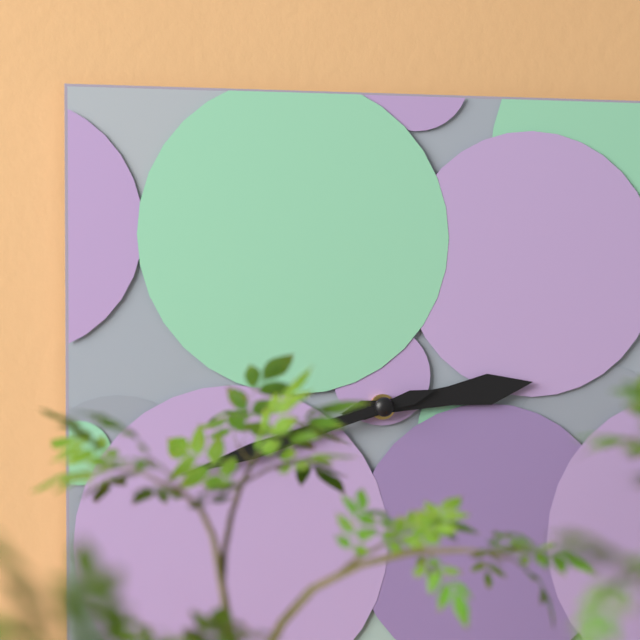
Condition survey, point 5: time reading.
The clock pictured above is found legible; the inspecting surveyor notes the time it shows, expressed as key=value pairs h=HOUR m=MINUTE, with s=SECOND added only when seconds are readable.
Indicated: h=2 m=42
